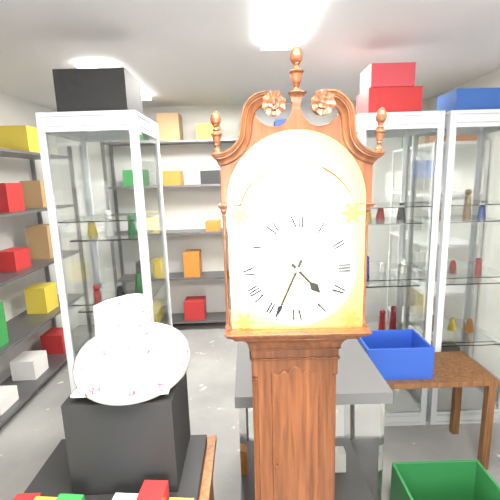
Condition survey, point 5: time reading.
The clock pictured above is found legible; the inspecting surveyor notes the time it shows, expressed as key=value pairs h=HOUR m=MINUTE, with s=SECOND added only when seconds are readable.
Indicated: h=4 m=34
